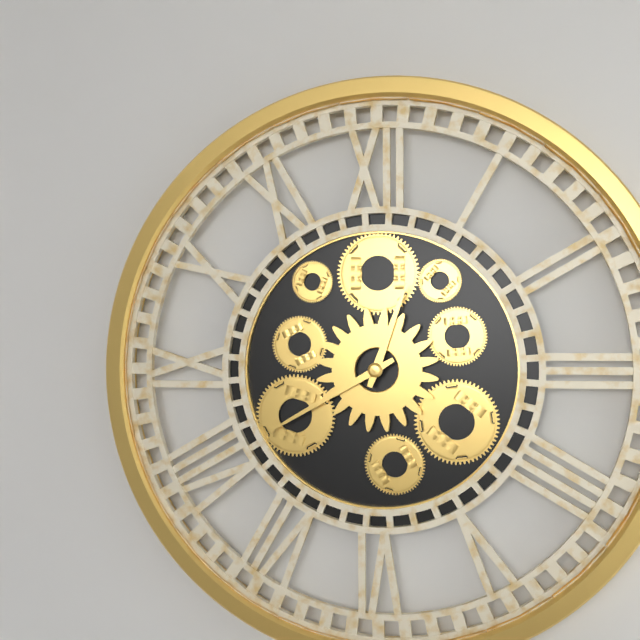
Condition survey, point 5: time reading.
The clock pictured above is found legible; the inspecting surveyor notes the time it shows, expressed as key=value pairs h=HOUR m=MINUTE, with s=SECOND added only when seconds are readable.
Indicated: h=12 m=40
